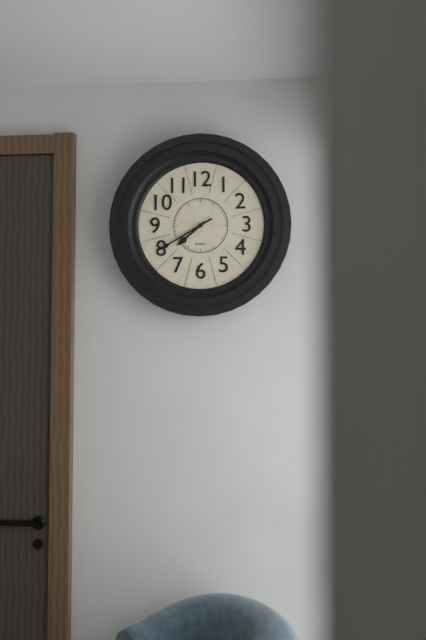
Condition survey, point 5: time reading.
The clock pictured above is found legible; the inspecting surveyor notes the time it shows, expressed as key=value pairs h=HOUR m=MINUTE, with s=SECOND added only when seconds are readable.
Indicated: h=7 m=40
